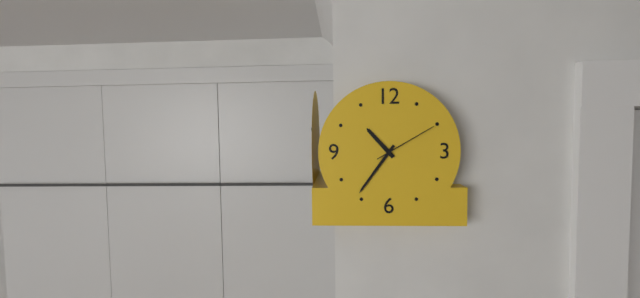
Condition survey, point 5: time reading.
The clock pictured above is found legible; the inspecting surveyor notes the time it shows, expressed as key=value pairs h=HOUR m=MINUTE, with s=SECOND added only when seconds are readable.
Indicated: h=10 m=36 s=10
